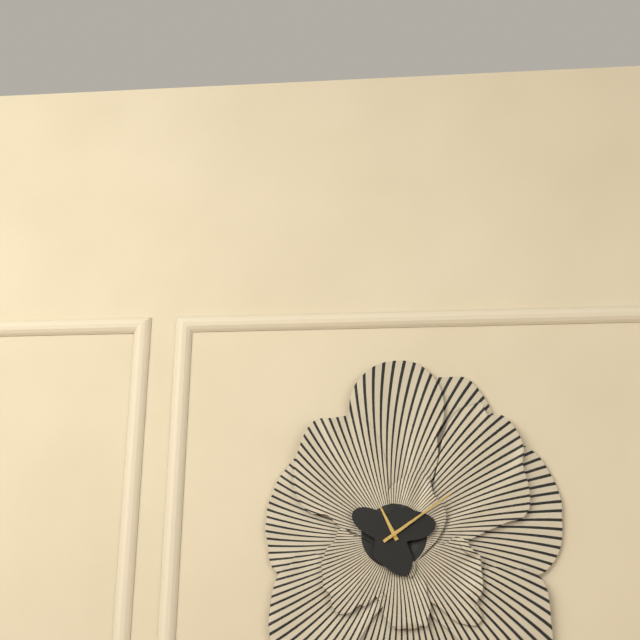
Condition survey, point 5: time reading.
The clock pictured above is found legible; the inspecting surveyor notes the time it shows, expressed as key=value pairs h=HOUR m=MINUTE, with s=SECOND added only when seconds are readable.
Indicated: h=11 m=9
